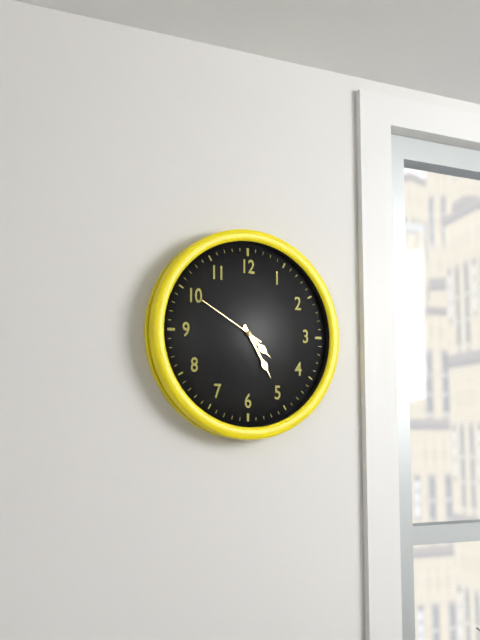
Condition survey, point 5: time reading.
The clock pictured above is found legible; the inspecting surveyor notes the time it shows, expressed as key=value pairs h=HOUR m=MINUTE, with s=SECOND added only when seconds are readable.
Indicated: h=4 m=25 s=50
